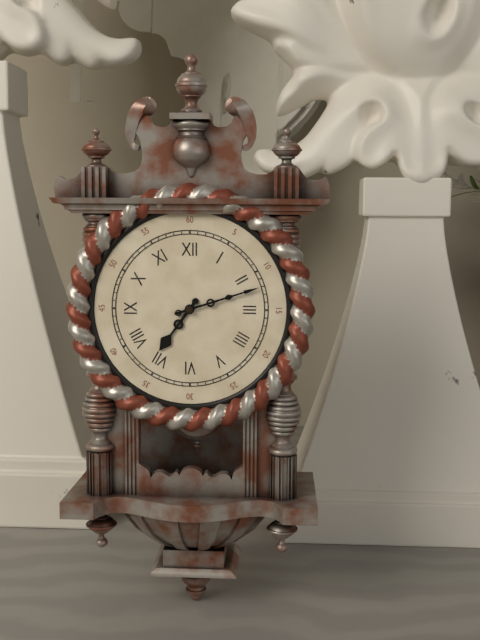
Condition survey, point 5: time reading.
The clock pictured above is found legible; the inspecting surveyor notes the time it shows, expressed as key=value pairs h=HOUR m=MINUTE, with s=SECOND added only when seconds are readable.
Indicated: h=7 m=12
